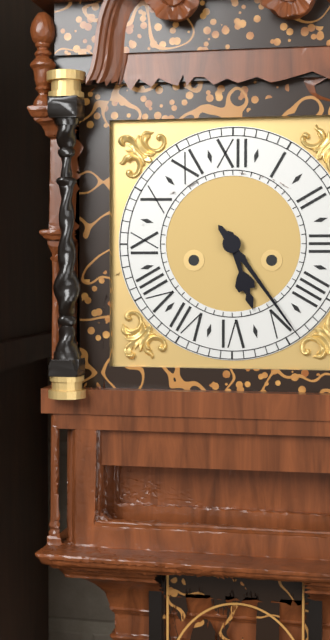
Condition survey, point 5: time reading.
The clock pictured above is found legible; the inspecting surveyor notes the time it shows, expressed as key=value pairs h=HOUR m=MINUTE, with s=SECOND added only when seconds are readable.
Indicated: h=5 m=24
